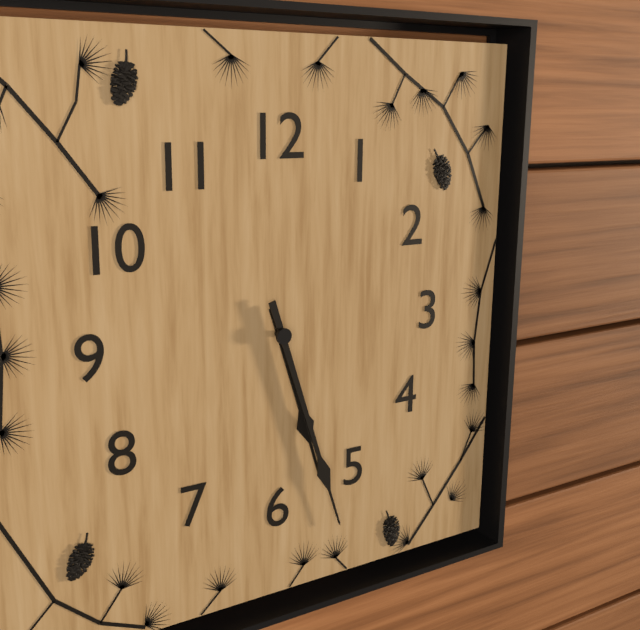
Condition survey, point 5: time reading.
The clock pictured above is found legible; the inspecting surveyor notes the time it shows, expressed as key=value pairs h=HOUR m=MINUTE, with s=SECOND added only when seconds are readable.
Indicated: h=5 m=27
